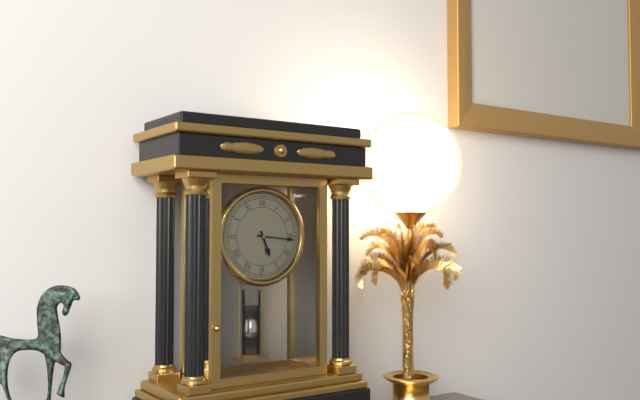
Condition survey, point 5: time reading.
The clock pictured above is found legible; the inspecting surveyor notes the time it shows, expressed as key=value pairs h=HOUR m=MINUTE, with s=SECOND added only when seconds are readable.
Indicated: h=5 m=16
